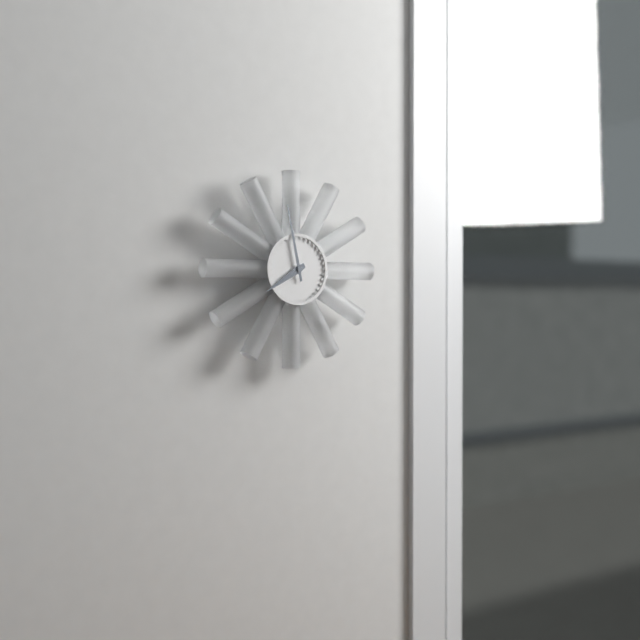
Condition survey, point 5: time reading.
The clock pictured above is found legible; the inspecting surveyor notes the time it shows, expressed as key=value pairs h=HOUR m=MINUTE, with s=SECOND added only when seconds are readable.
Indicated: h=7 m=58
